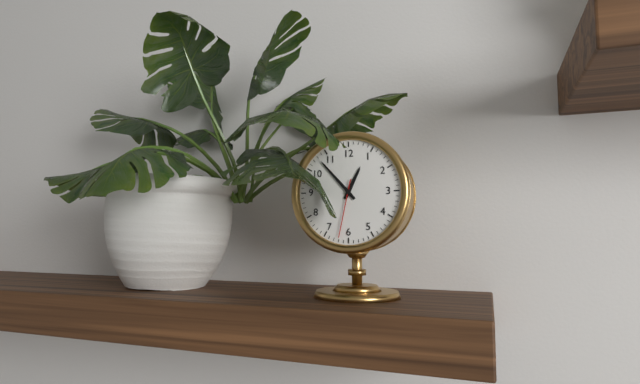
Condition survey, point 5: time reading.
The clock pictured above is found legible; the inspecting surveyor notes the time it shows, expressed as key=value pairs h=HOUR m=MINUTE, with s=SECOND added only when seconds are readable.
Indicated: h=12 m=53 s=32
